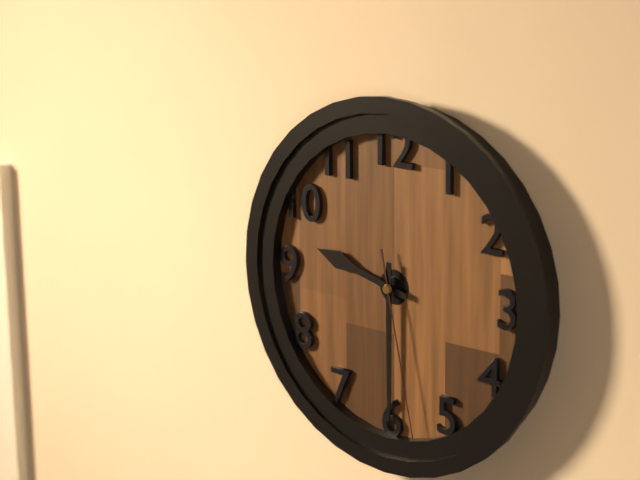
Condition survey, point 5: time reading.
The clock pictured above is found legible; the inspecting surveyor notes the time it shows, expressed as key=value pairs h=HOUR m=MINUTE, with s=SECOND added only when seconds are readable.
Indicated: h=9 m=30 s=28
